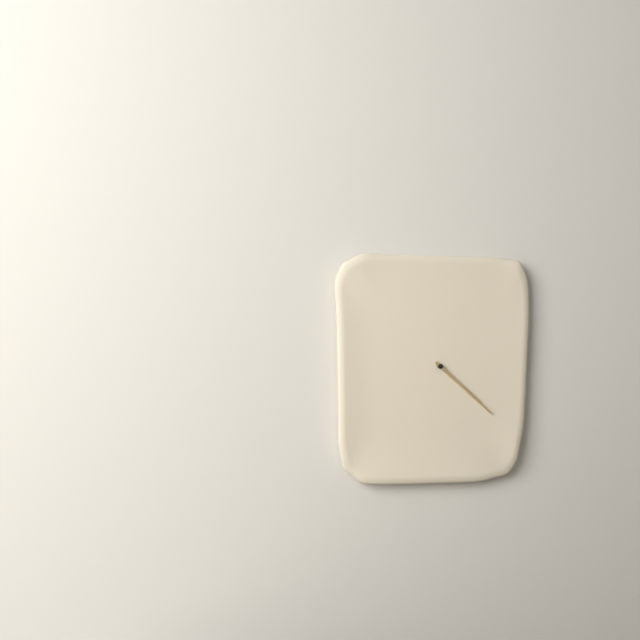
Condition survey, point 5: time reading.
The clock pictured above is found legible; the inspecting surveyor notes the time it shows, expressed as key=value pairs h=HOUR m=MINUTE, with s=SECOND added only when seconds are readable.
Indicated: h=4 m=22
